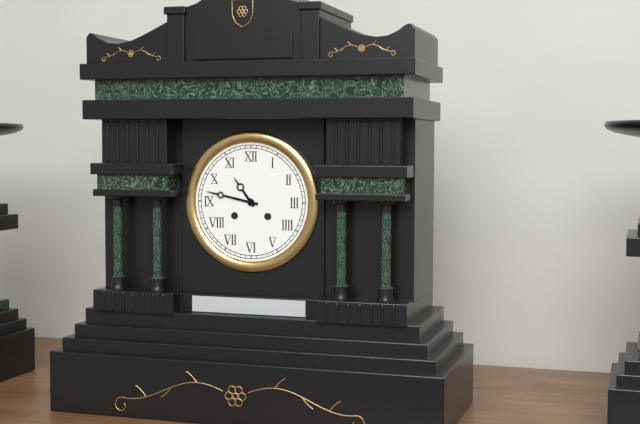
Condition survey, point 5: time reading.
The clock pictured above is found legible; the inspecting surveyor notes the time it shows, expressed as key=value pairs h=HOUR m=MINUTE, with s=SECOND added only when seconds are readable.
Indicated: h=10 m=47
